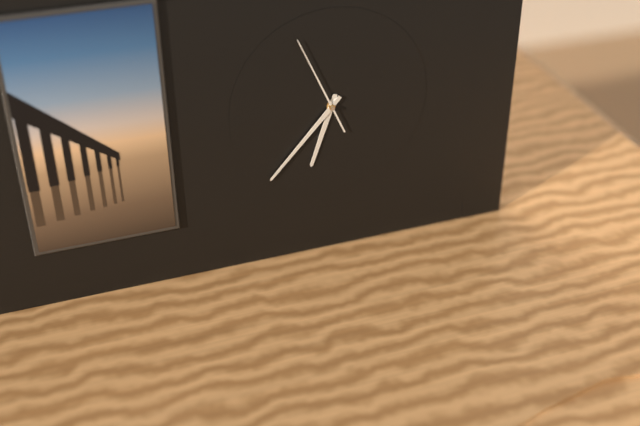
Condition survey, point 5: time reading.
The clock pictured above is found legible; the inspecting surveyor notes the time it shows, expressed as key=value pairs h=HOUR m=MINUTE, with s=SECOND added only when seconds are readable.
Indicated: h=6 m=37 s=56
